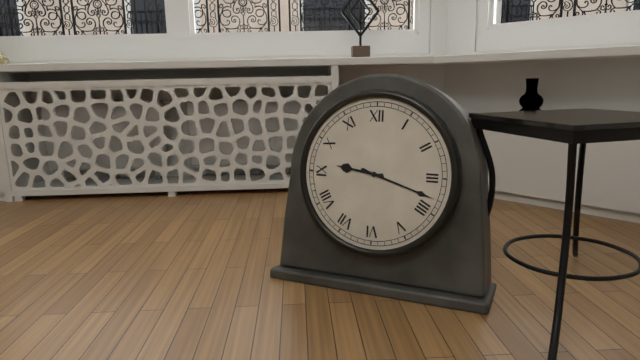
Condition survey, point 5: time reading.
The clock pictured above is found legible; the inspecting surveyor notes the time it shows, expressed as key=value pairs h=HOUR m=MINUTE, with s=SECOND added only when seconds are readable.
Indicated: h=9 m=18
